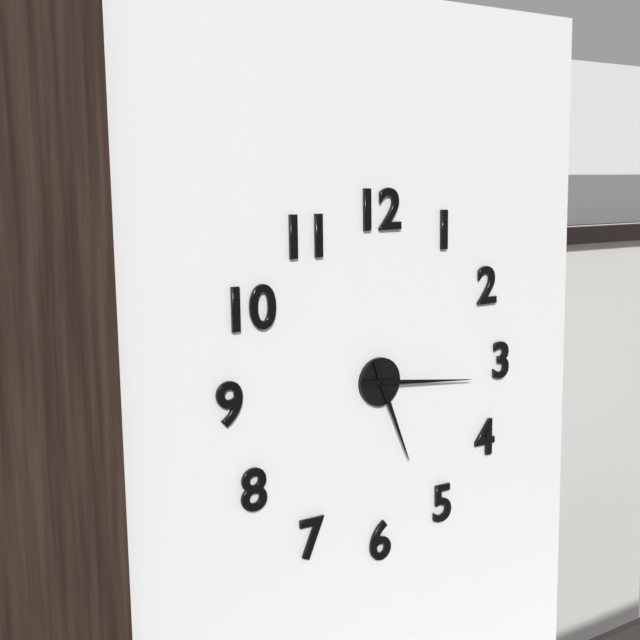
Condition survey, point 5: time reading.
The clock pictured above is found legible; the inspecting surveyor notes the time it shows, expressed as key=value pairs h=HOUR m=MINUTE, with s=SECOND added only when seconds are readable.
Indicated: h=5 m=16
